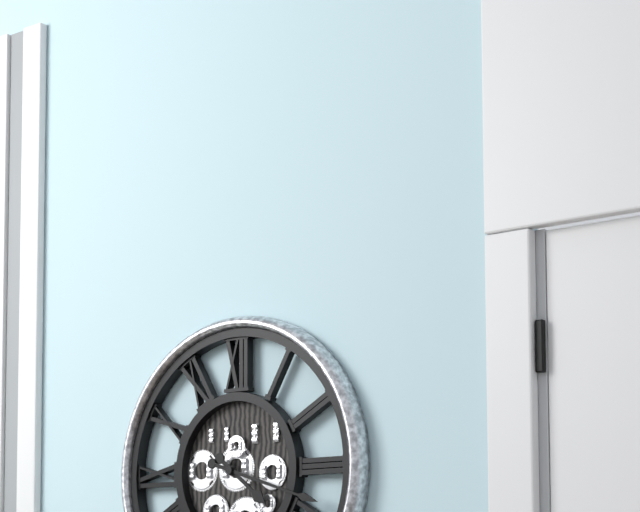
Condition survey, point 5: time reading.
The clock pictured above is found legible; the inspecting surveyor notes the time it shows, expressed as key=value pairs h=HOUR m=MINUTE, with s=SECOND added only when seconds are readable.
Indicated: h=4 m=18
